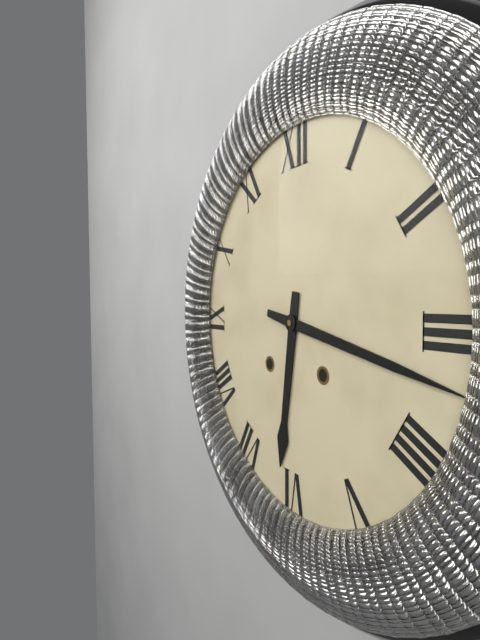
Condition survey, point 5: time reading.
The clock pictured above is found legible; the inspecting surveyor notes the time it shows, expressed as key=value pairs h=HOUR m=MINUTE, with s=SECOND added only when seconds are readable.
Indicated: h=6 m=17
